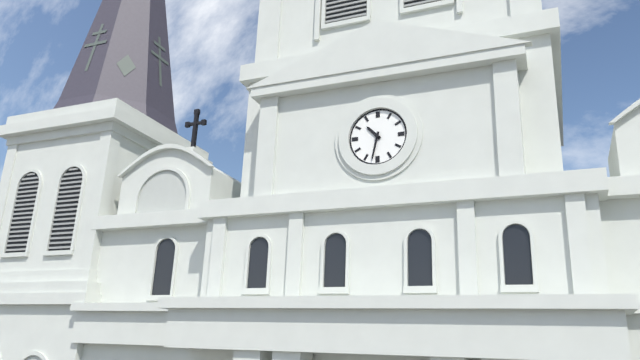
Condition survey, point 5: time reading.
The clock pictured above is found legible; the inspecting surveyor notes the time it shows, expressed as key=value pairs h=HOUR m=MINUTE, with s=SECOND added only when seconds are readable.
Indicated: h=10 m=32
